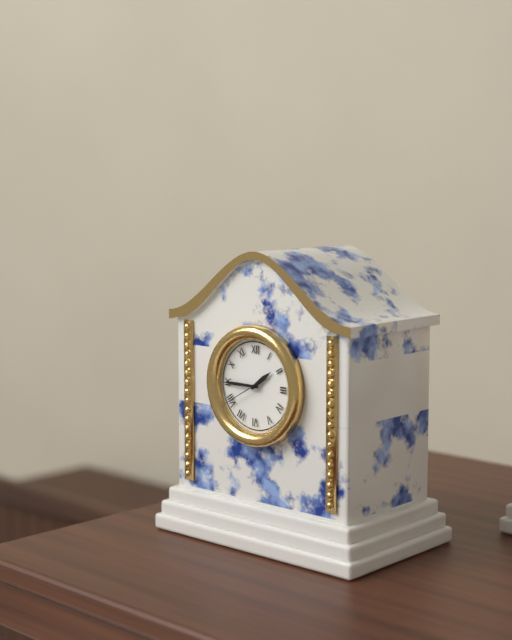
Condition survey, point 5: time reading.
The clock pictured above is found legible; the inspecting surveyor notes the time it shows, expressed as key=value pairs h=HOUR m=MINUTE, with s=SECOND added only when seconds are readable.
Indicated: h=1 m=45
